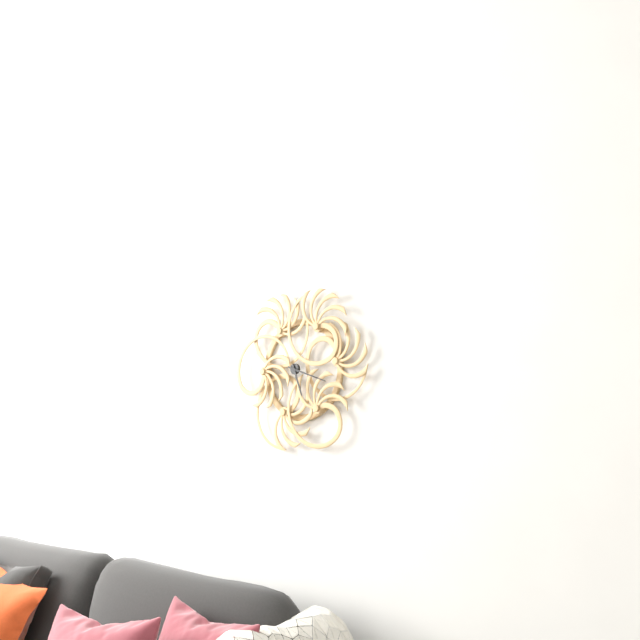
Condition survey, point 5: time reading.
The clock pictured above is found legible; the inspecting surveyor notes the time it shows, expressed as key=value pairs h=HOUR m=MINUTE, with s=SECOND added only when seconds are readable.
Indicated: h=5 m=18
